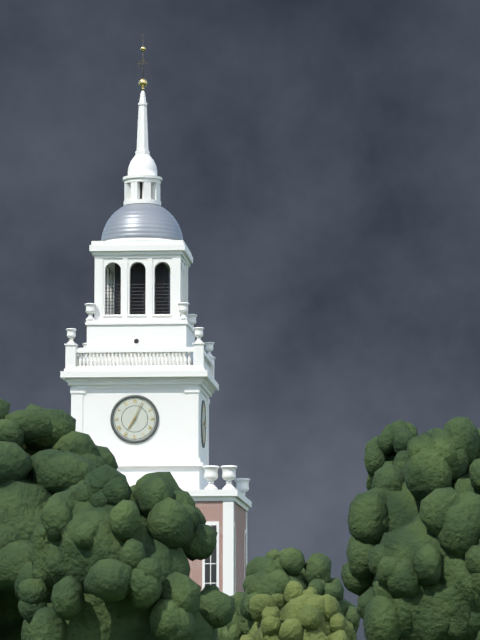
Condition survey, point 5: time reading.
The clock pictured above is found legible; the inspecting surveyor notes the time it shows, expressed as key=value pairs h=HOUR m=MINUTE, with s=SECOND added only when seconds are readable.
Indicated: h=7 m=4
